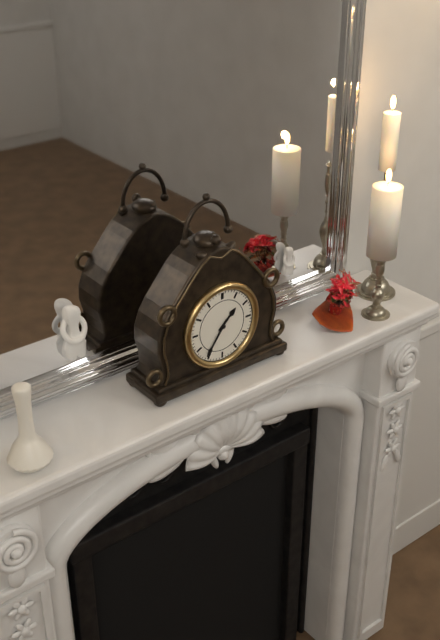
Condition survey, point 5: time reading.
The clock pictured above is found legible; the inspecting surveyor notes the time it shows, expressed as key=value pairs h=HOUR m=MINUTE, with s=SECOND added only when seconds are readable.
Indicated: h=1 m=36
